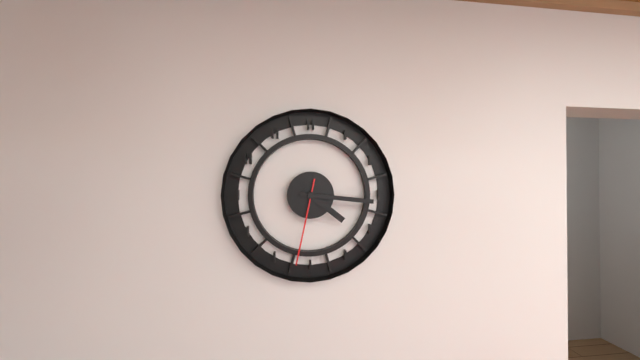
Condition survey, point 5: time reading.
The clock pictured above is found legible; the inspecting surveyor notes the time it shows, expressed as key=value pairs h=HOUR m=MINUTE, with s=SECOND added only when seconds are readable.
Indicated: h=4 m=16 s=32
